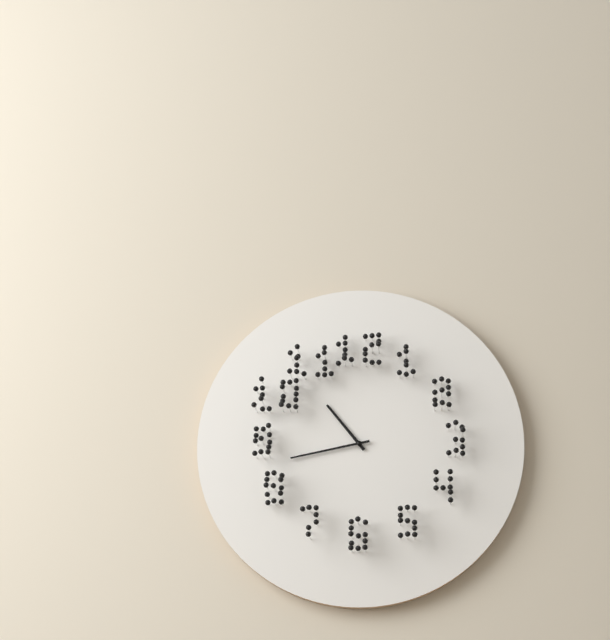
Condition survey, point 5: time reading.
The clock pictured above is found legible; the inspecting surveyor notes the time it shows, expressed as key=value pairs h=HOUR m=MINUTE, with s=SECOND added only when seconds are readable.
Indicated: h=10 m=43
